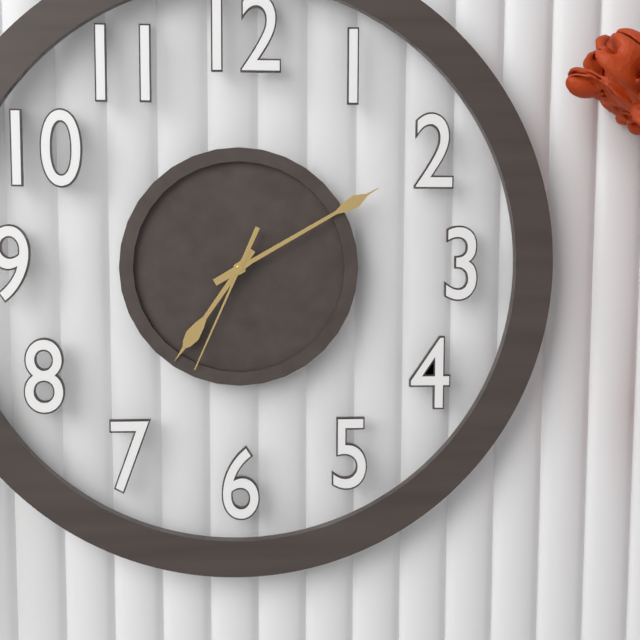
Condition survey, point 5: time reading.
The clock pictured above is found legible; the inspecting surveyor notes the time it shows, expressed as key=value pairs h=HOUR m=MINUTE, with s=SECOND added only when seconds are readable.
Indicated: h=7 m=10 s=34
